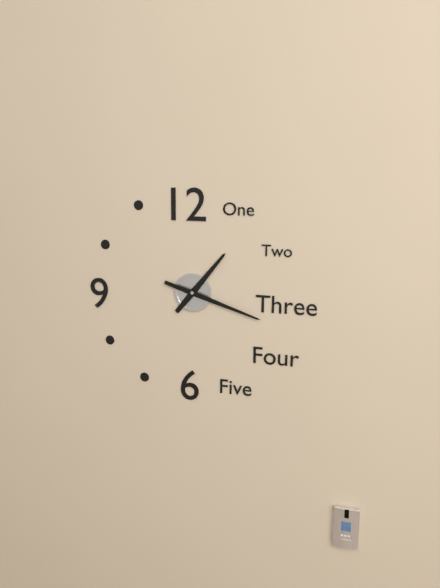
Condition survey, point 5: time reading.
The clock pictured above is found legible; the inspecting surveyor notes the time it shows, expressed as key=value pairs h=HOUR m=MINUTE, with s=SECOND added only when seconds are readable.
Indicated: h=1 m=18
